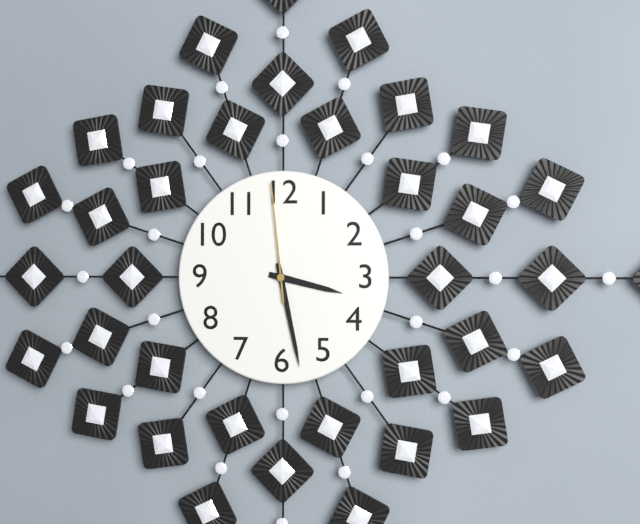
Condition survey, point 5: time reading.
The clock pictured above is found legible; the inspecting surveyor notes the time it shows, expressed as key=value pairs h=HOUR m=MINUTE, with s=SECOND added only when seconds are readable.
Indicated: h=3 m=28 s=59
